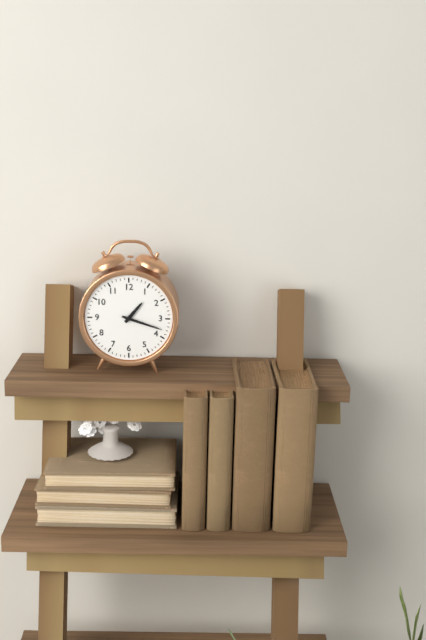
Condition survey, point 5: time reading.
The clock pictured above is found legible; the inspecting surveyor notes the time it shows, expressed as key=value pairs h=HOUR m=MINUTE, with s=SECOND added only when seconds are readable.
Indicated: h=1 m=18
